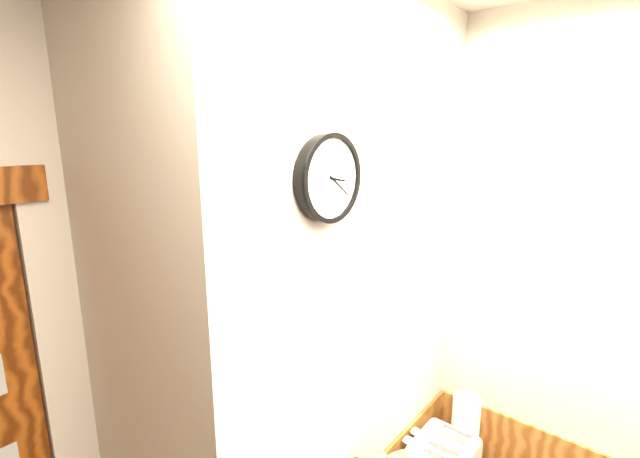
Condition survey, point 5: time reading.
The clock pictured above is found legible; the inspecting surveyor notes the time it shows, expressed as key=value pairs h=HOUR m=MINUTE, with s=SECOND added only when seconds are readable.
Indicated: h=3 m=21
